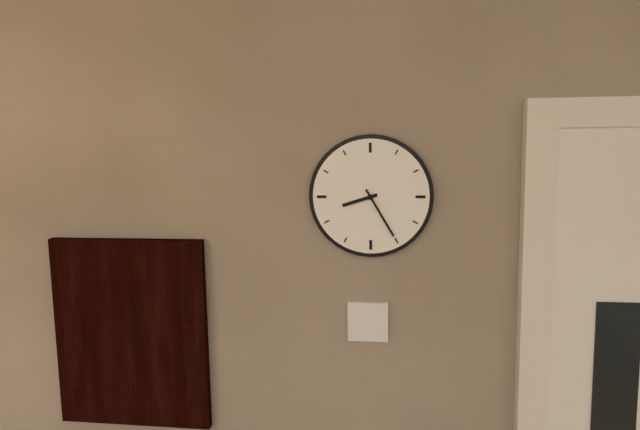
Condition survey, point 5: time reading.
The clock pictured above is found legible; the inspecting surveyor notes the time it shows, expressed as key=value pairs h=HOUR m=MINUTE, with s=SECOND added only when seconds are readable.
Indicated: h=8 m=25
